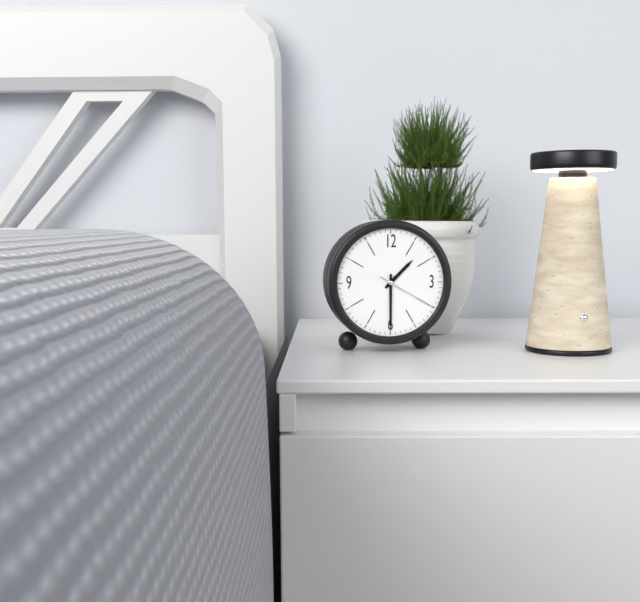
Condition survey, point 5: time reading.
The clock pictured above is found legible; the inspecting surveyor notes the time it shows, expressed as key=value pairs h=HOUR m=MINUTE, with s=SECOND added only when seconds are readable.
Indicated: h=1 m=30 s=20
